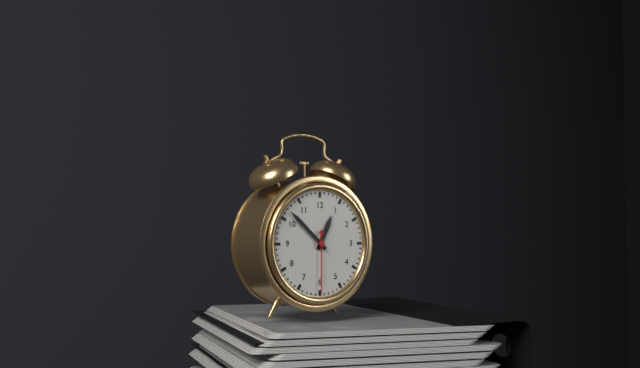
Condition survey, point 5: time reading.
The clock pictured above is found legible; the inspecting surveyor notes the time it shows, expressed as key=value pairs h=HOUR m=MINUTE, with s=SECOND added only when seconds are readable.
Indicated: h=12 m=52 s=30
